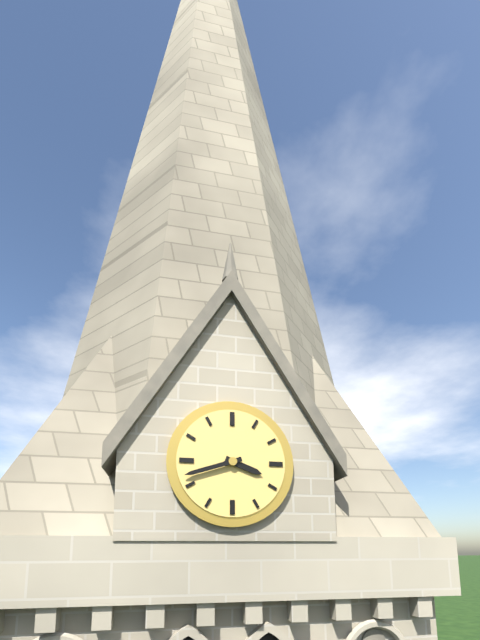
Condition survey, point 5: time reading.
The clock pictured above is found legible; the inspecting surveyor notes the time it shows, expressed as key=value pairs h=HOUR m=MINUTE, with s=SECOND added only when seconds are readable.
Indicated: h=3 m=42
